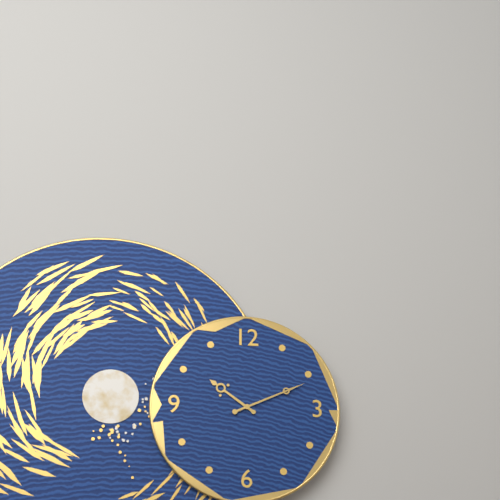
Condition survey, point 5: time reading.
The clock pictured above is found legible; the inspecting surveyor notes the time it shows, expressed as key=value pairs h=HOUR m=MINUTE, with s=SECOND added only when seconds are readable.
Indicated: h=10 m=11
